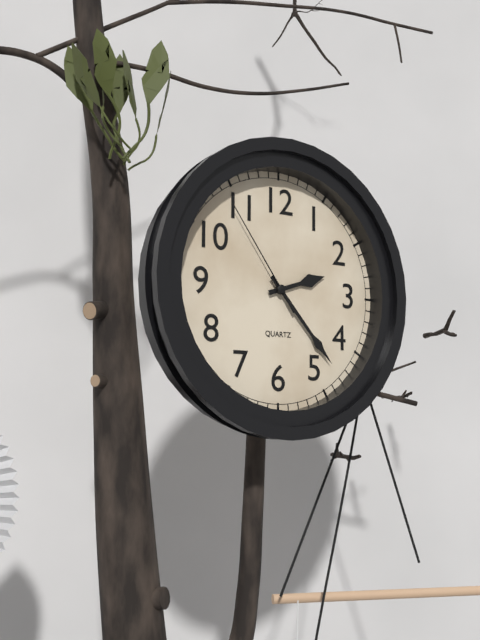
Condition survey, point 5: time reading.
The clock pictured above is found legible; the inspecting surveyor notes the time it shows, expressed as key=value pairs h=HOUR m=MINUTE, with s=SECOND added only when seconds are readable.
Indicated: h=2 m=23 s=54
